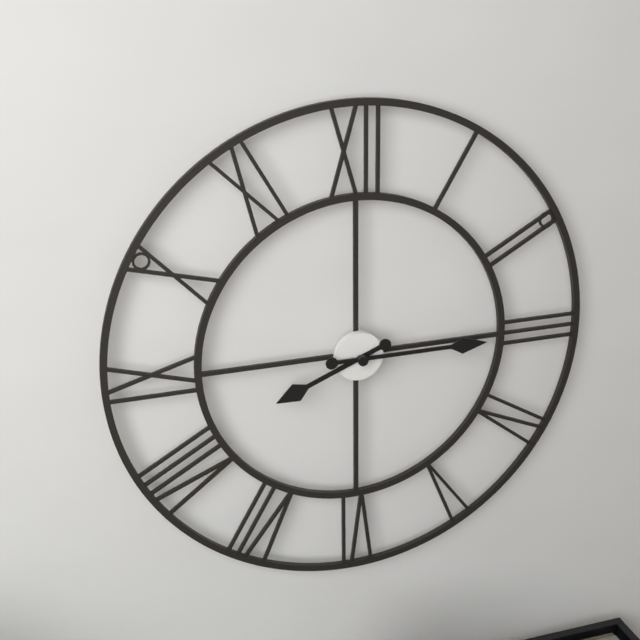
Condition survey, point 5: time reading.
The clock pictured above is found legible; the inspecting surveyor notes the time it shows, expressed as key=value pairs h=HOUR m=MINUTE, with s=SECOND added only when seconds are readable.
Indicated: h=8 m=15
